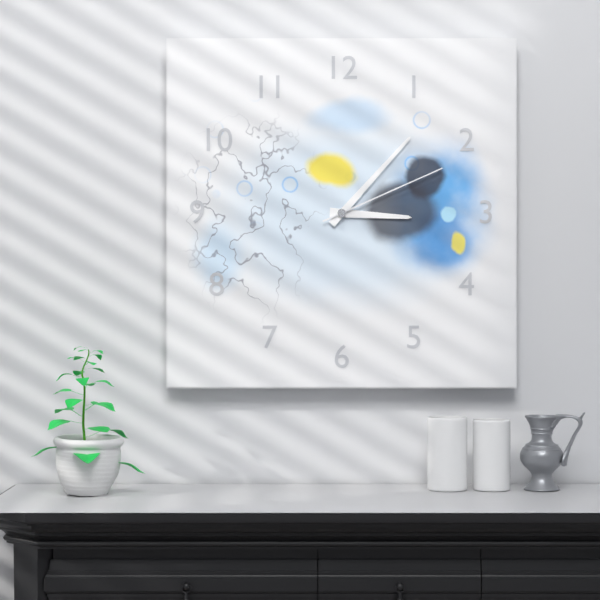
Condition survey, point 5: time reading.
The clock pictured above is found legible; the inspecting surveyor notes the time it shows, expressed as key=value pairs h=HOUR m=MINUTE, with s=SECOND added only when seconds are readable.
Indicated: h=3 m=7 s=11
